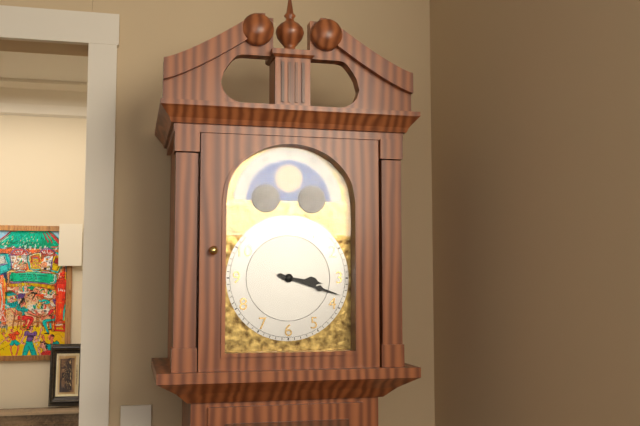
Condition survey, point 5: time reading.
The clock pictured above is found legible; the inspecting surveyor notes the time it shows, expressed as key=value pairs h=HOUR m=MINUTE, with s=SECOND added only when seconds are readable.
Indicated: h=3 m=18
